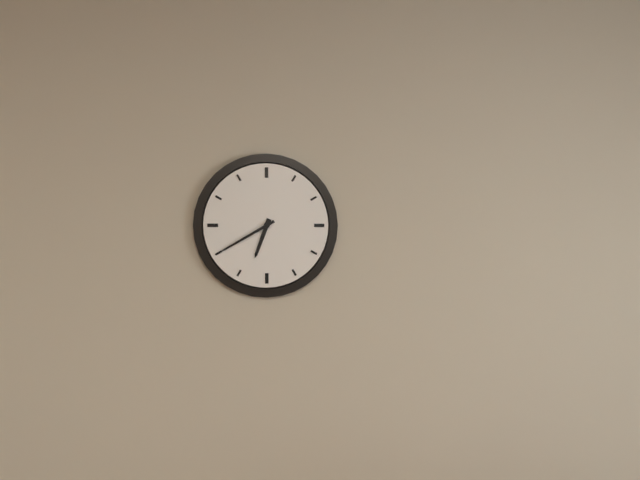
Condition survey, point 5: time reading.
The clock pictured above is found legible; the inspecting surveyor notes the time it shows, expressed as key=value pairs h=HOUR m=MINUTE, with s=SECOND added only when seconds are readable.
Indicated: h=6 m=40
